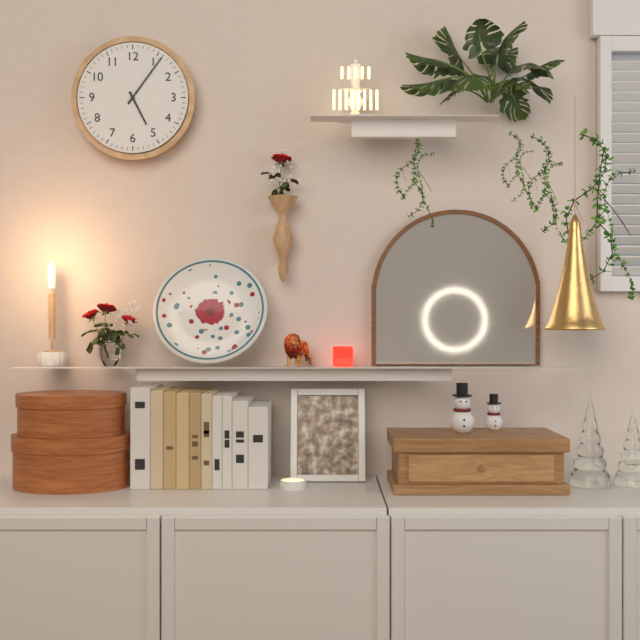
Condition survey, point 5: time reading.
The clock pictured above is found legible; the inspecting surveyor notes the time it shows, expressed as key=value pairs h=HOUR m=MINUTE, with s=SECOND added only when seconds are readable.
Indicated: h=5 m=6
